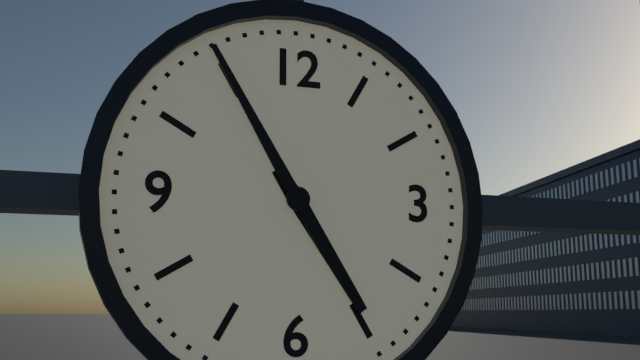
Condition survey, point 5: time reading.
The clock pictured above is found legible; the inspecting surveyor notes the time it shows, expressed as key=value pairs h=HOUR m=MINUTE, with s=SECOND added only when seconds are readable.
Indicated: h=4 m=55
